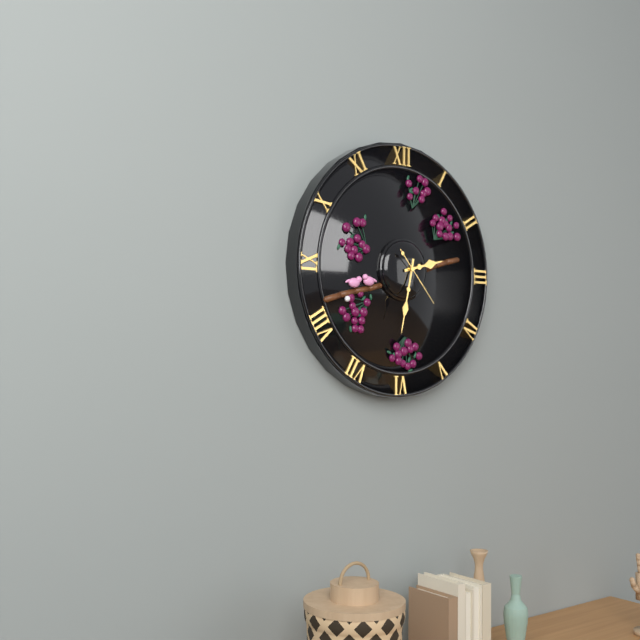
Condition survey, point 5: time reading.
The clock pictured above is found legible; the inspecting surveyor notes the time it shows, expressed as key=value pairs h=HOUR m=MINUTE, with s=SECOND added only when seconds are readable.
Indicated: h=2 m=32 s=23
